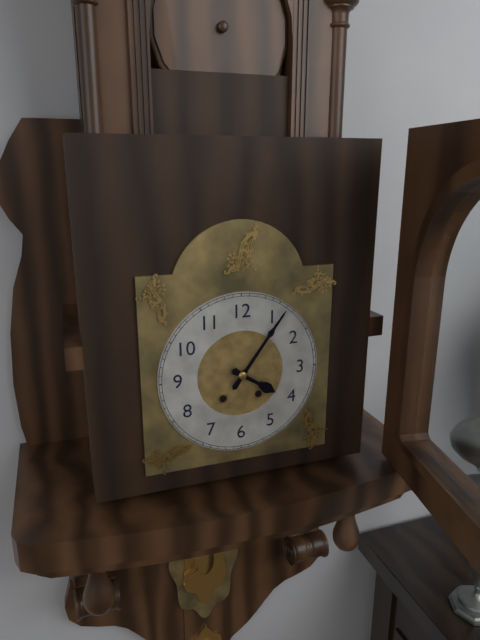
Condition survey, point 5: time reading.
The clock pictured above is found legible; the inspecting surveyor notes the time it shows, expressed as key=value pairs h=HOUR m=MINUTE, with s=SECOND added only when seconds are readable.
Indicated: h=4 m=6
